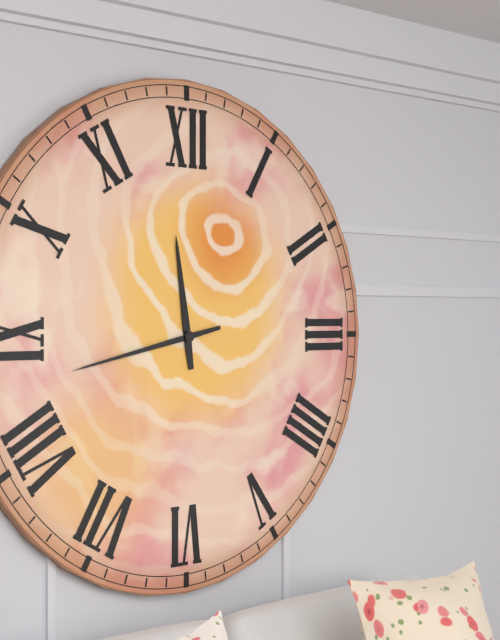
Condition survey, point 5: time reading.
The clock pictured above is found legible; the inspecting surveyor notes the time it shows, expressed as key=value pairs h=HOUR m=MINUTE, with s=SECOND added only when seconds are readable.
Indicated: h=11 m=43
